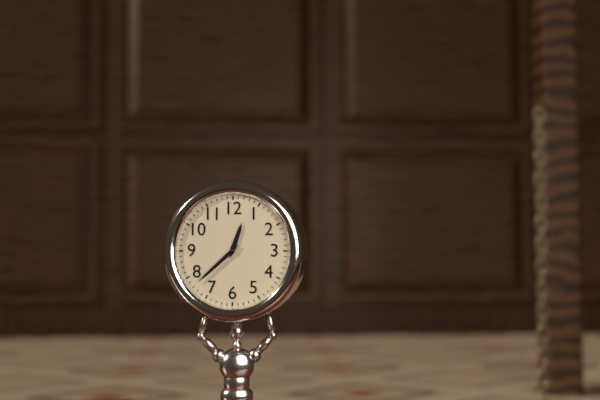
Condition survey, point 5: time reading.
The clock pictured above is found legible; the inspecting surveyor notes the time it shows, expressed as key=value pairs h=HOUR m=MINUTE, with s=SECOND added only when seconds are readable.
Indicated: h=12 m=38
